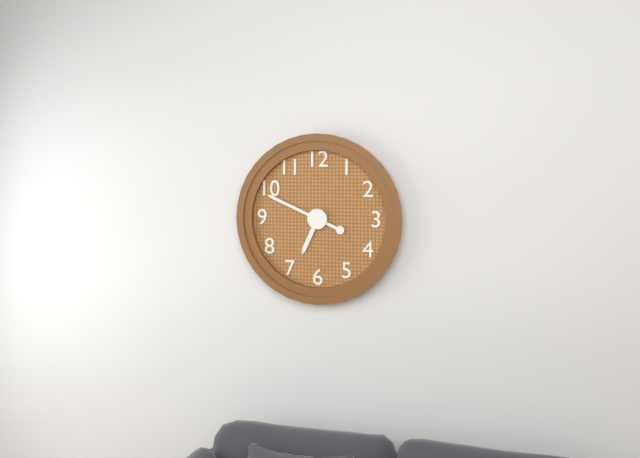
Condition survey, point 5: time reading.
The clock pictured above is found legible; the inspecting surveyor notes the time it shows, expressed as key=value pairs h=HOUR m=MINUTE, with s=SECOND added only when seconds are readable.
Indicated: h=6 m=49
